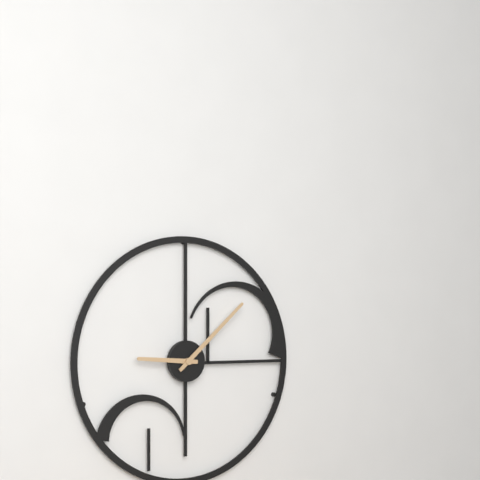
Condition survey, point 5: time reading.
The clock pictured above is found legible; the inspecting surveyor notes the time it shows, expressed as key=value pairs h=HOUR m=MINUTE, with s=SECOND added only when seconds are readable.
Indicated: h=9 m=8
